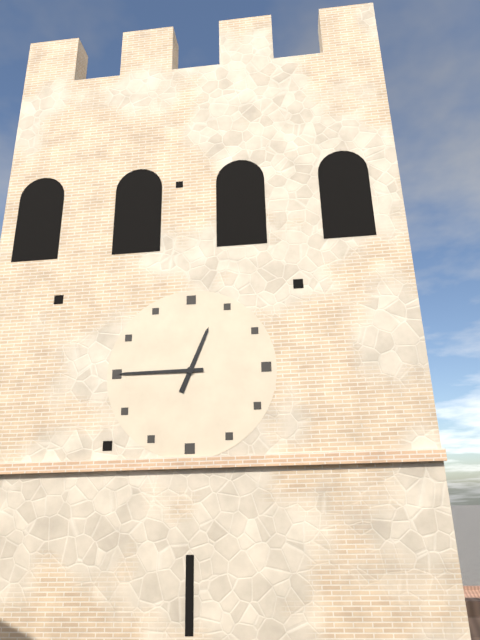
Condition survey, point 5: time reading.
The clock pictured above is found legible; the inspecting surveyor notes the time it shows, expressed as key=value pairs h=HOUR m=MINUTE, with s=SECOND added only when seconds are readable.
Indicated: h=12 m=45
